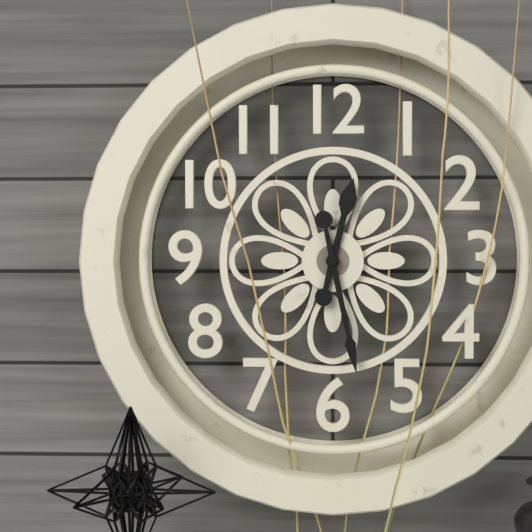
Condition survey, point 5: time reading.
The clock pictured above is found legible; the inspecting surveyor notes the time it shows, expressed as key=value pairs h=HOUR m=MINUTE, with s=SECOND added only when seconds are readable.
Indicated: h=12 m=28
